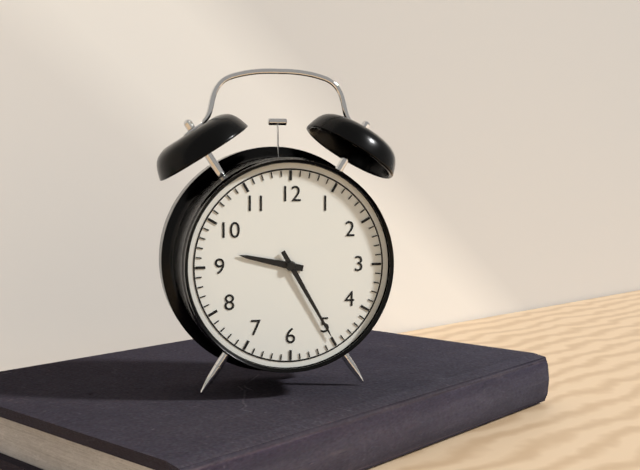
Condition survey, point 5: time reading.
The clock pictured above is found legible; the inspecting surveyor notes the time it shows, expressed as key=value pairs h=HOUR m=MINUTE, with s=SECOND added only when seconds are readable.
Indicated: h=9 m=25
